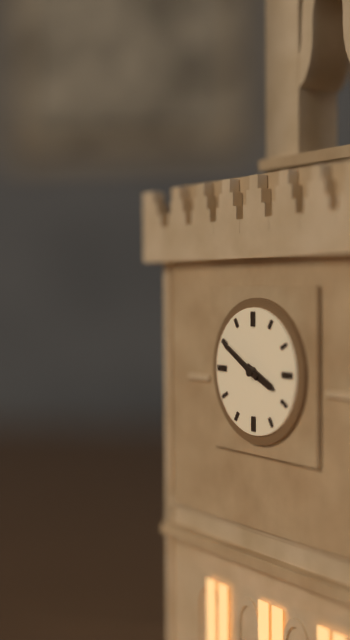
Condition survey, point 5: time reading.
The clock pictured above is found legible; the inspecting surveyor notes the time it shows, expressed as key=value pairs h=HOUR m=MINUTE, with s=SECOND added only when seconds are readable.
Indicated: h=3 m=50
